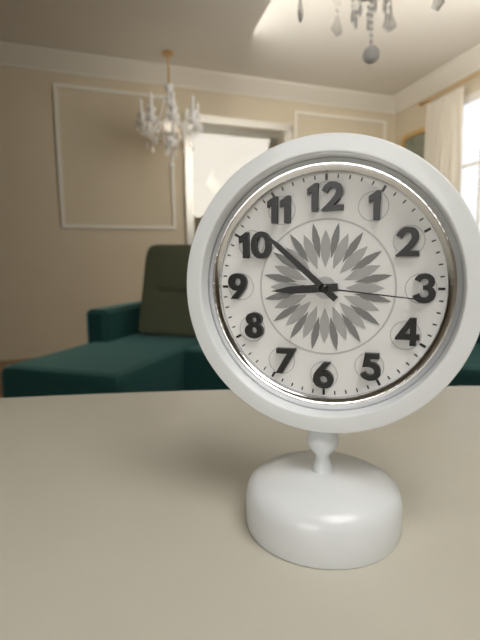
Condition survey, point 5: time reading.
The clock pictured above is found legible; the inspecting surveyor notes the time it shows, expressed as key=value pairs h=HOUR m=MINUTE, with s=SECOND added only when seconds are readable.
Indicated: h=8 m=52 s=16
